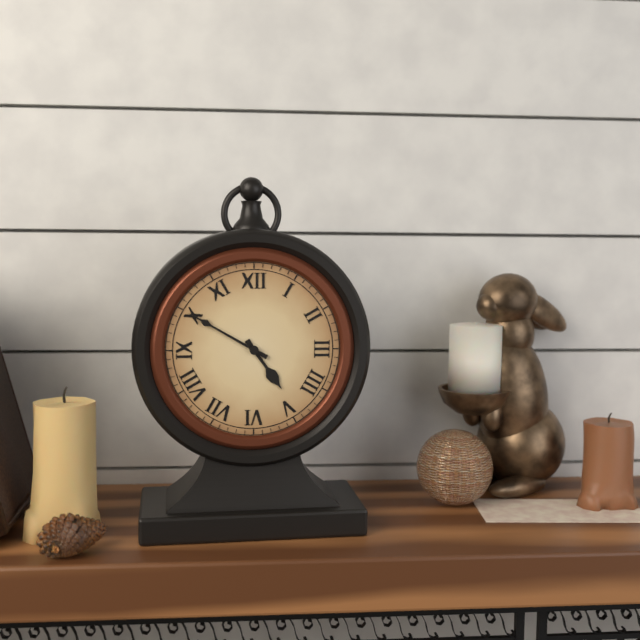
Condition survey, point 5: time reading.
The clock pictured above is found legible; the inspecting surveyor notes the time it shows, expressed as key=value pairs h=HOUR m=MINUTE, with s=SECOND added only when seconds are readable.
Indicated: h=4 m=50
